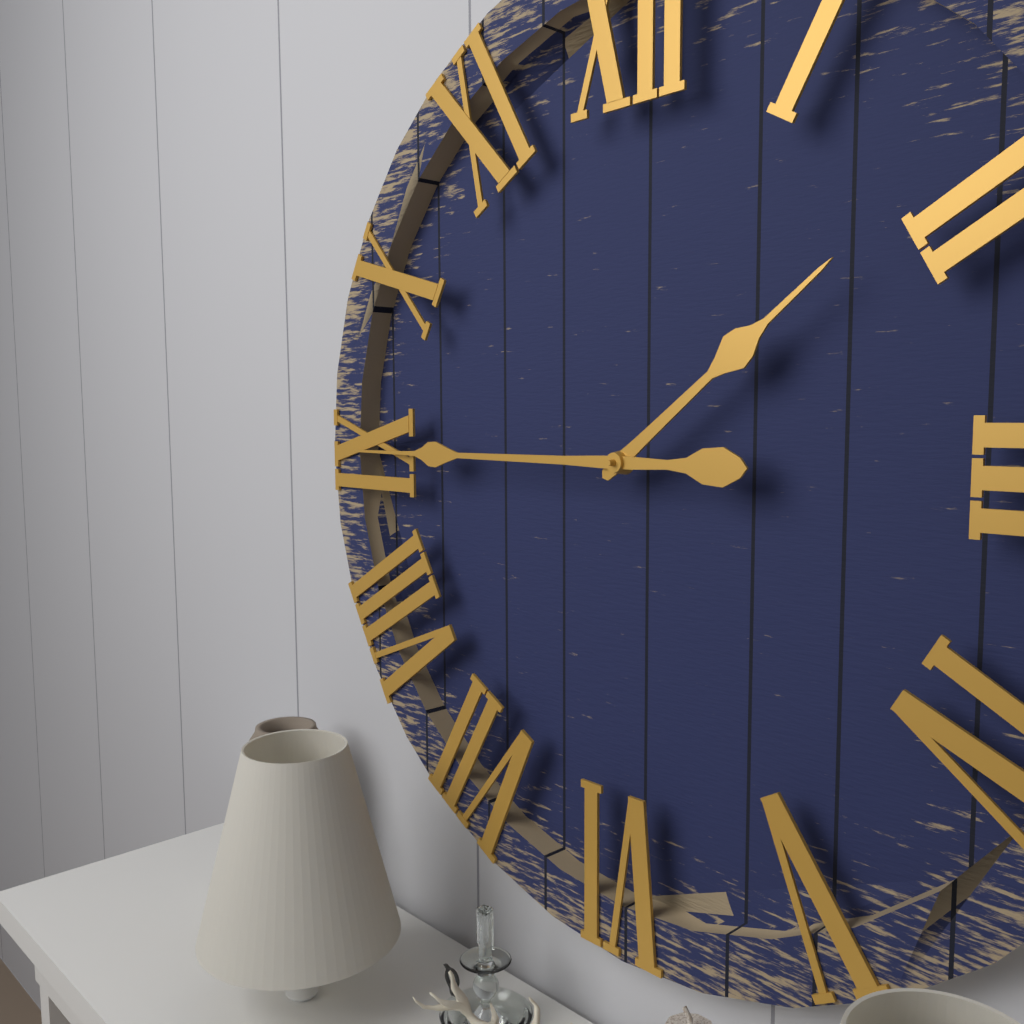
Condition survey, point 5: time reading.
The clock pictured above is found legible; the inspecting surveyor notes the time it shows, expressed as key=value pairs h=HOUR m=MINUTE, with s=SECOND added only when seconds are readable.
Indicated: h=1 m=45
